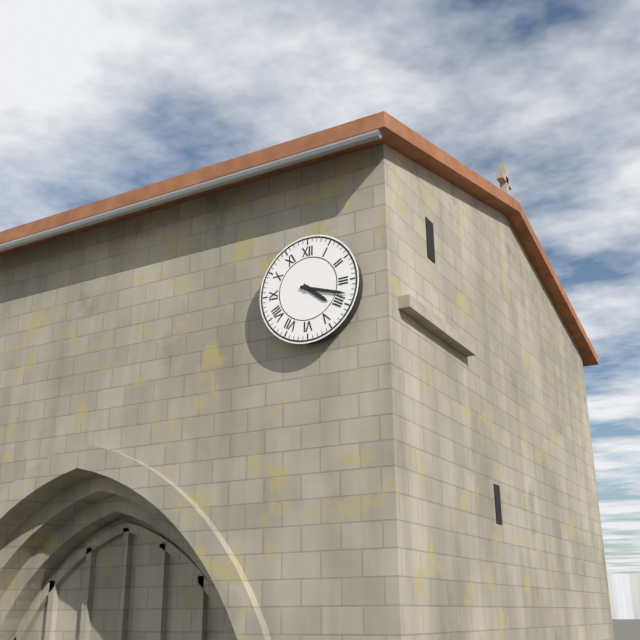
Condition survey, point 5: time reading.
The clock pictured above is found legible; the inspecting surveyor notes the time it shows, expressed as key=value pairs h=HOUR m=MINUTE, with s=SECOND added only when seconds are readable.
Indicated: h=4 m=18
